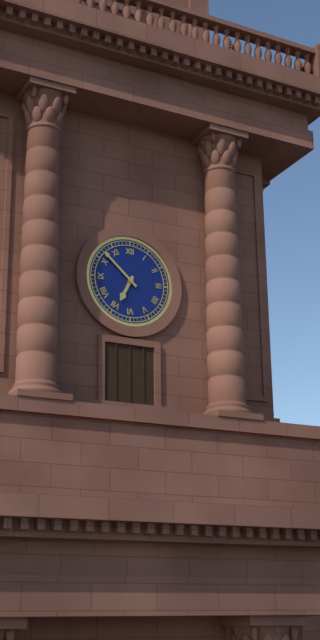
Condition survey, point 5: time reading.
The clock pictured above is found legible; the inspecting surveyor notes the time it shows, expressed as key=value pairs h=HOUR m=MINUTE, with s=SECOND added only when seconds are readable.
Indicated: h=6 m=52
